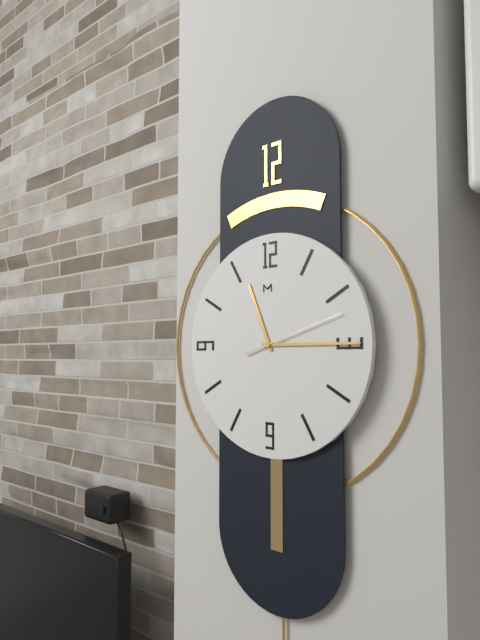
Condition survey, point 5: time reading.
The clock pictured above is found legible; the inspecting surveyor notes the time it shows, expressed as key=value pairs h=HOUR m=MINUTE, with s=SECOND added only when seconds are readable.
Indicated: h=11 m=15 s=12
